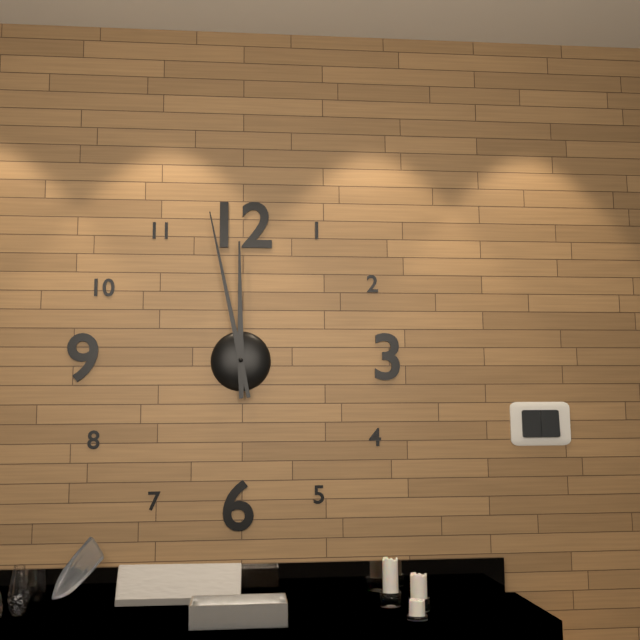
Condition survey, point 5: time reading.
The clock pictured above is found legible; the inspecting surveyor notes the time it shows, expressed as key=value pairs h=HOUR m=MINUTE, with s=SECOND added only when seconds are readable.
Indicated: h=11 m=58
